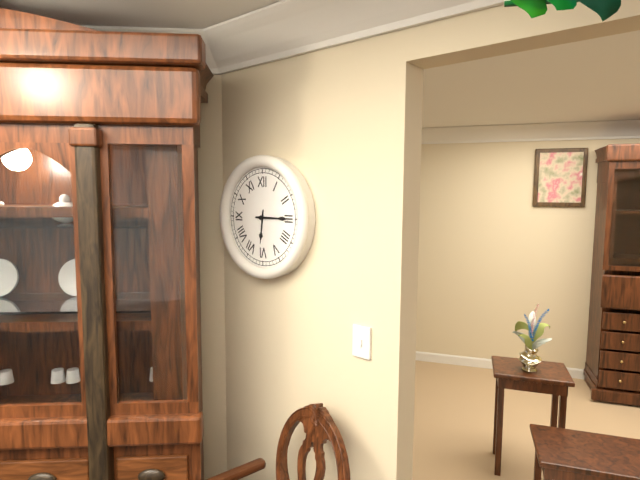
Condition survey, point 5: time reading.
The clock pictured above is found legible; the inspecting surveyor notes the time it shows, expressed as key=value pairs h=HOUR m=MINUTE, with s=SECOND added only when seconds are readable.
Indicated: h=6 m=15
